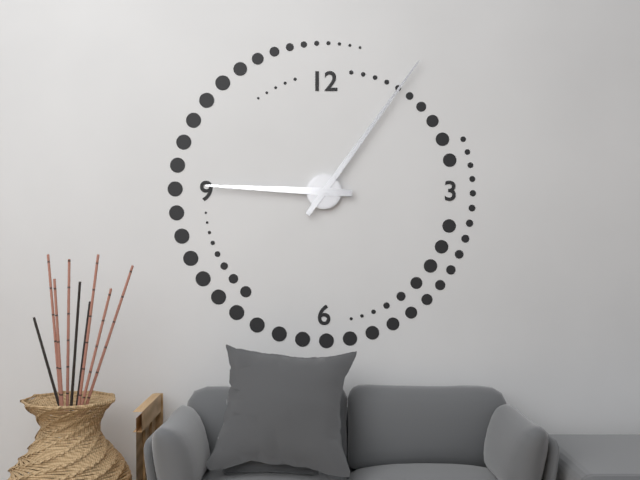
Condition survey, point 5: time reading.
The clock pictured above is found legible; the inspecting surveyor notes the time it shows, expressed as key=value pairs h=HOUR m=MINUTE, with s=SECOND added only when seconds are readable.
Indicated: h=9 m=6
